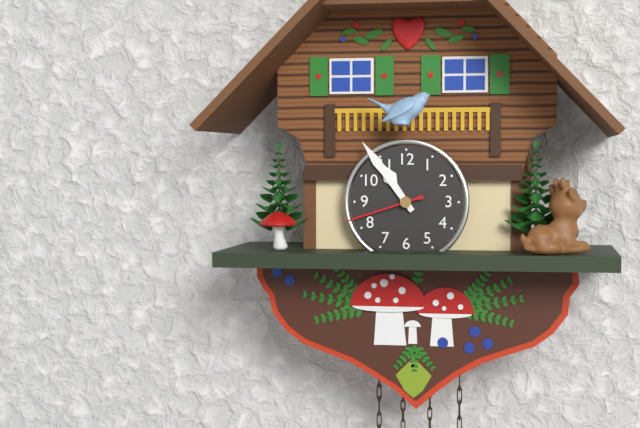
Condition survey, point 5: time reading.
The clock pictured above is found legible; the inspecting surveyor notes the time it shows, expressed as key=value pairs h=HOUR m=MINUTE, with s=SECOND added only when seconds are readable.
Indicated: h=10 m=54 s=42
